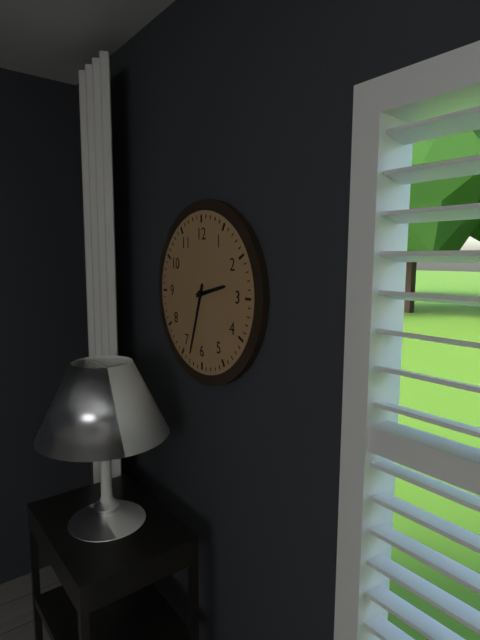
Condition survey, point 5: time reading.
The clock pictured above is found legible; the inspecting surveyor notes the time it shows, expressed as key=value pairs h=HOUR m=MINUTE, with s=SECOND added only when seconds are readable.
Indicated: h=2 m=33
